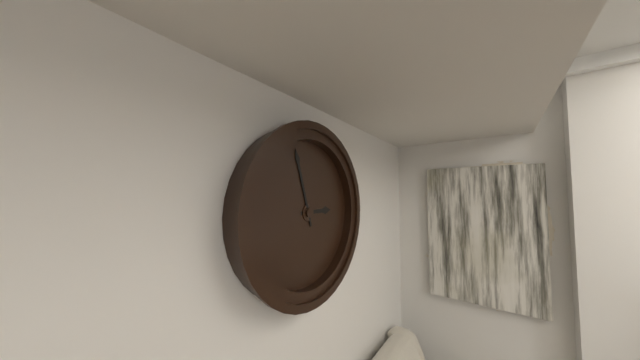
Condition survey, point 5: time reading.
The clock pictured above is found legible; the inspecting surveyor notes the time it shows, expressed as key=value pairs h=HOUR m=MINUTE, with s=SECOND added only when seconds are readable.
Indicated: h=2 m=57
